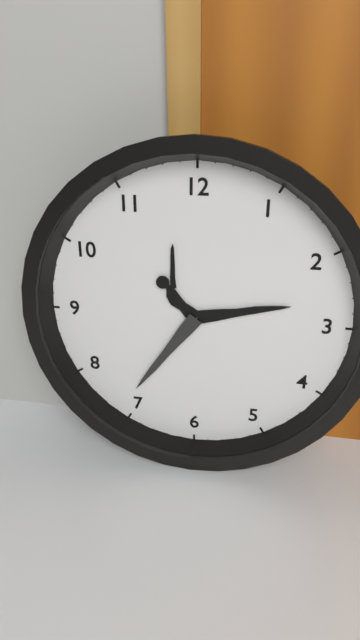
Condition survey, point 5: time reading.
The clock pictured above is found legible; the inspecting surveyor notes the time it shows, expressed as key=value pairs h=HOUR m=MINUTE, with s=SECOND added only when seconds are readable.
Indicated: h=2 m=36
